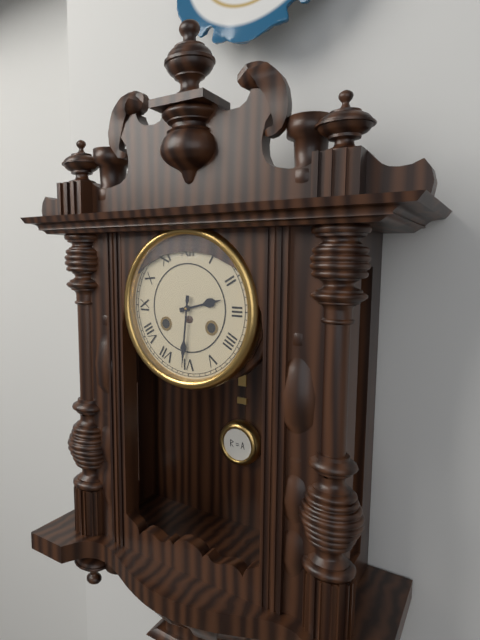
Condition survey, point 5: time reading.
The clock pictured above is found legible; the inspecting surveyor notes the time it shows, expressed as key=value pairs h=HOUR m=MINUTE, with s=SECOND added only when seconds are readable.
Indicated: h=2 m=31
